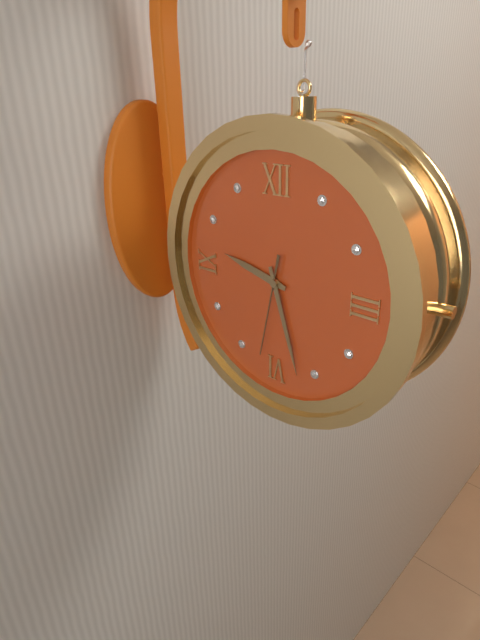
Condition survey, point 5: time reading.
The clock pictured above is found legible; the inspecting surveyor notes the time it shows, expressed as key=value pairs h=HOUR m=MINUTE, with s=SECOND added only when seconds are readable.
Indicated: h=9 m=27 s=32
